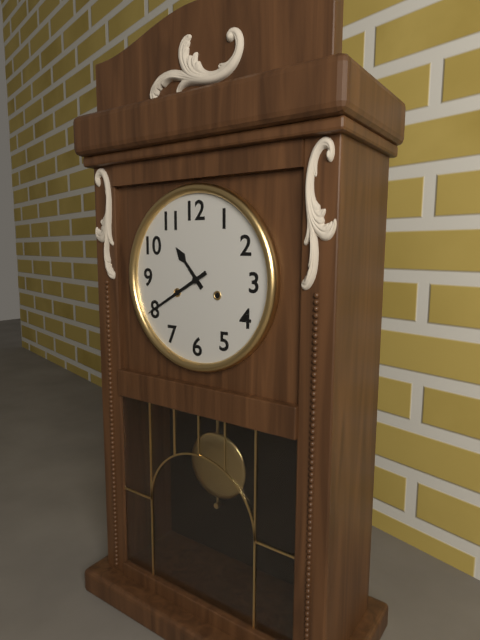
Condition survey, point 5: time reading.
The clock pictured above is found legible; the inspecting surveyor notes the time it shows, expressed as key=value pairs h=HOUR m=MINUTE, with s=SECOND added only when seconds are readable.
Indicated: h=10 m=40
